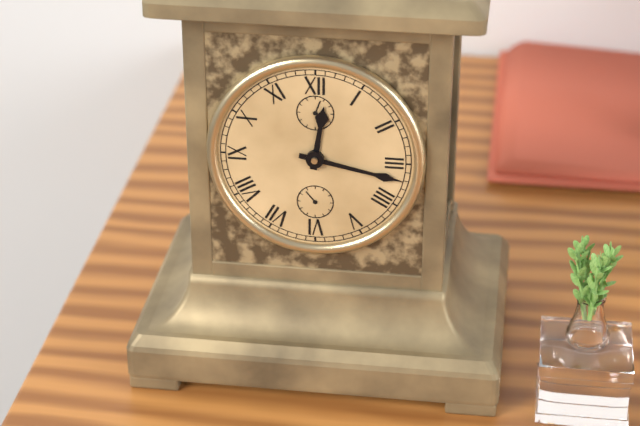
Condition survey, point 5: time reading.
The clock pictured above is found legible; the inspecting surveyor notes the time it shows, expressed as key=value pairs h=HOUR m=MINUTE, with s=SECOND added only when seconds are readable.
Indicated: h=12 m=17
